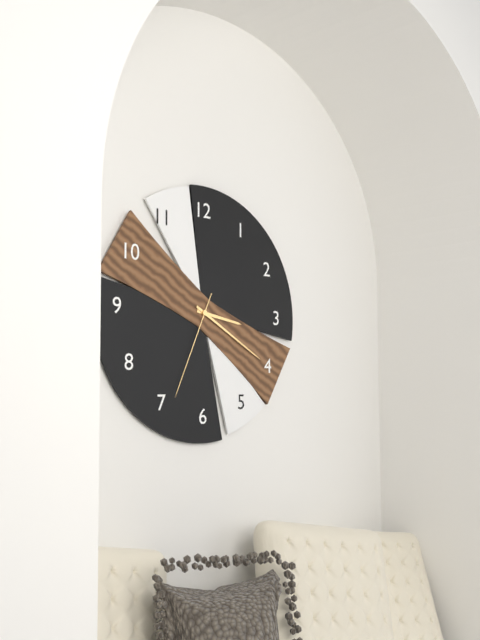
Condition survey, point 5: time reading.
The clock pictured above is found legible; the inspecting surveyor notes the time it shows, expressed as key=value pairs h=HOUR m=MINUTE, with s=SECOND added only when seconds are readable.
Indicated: h=3 m=20 s=34
